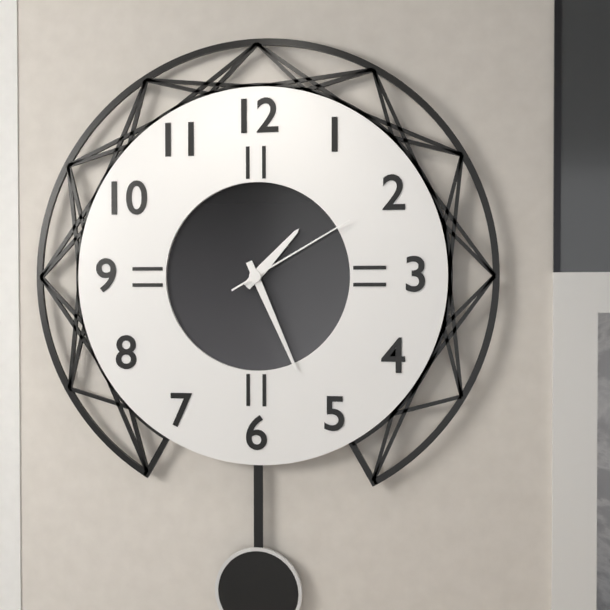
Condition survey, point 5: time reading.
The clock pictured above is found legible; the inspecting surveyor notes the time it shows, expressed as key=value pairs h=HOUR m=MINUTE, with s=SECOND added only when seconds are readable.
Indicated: h=1 m=26 s=10
